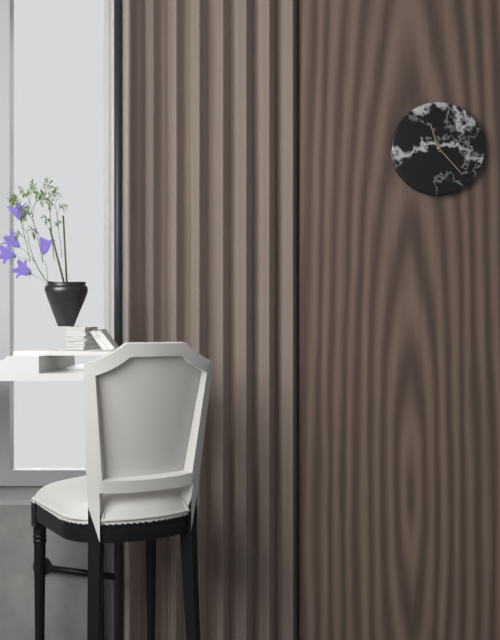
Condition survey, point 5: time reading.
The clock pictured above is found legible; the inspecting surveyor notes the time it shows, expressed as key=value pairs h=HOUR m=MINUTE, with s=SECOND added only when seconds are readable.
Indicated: h=11 m=23
